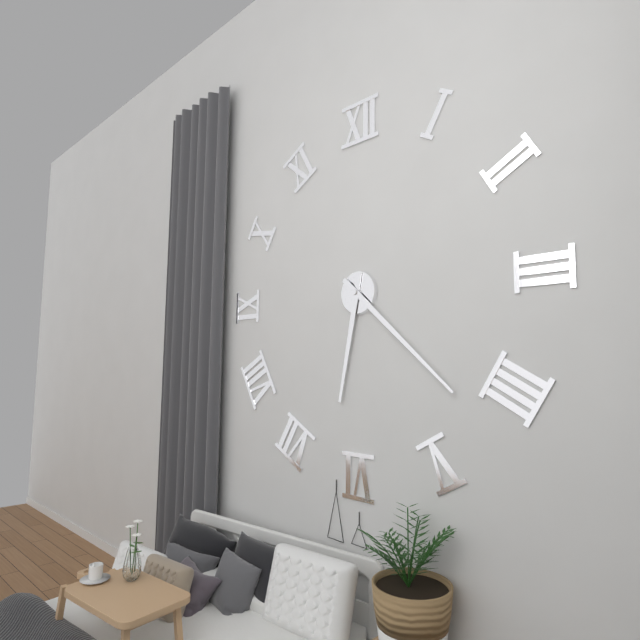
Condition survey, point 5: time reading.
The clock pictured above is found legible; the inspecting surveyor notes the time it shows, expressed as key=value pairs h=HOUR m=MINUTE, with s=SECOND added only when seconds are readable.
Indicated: h=6 m=22
